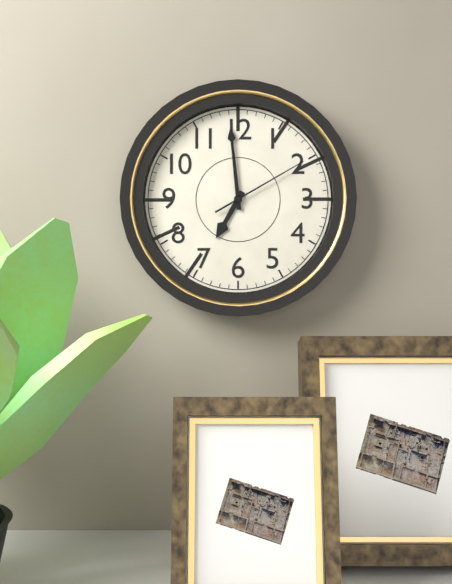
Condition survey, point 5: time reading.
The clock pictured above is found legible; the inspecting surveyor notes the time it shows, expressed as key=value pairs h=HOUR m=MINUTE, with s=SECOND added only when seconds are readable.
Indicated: h=6 m=59 s=10
